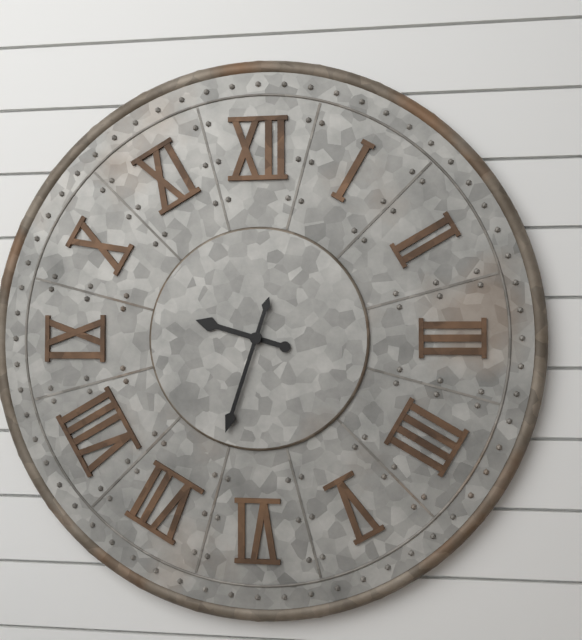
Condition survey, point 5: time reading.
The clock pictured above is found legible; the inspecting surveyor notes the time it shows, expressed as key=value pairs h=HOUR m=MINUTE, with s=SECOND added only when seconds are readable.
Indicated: h=9 m=33
